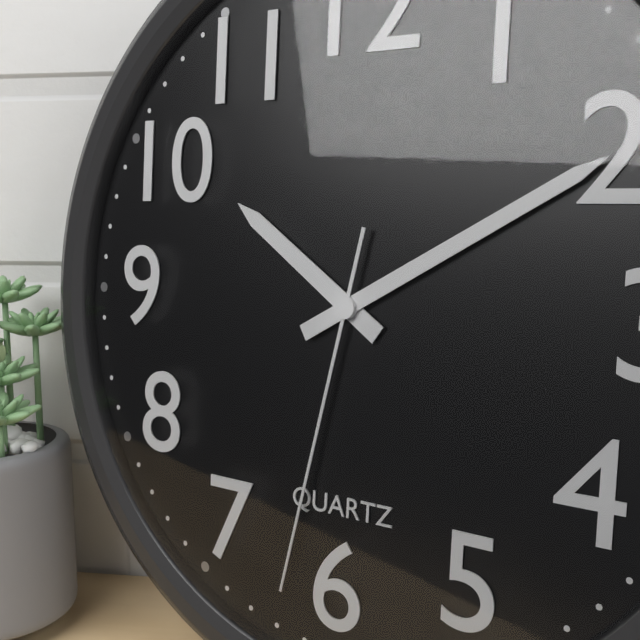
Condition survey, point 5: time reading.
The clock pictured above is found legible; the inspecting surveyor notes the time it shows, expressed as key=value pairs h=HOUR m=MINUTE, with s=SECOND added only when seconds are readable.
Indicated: h=10 m=10 s=32
